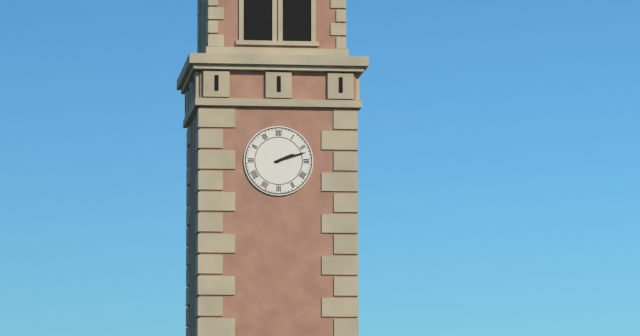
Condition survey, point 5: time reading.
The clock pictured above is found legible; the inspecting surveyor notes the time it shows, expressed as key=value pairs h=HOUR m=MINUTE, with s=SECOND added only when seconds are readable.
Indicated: h=2 m=12
